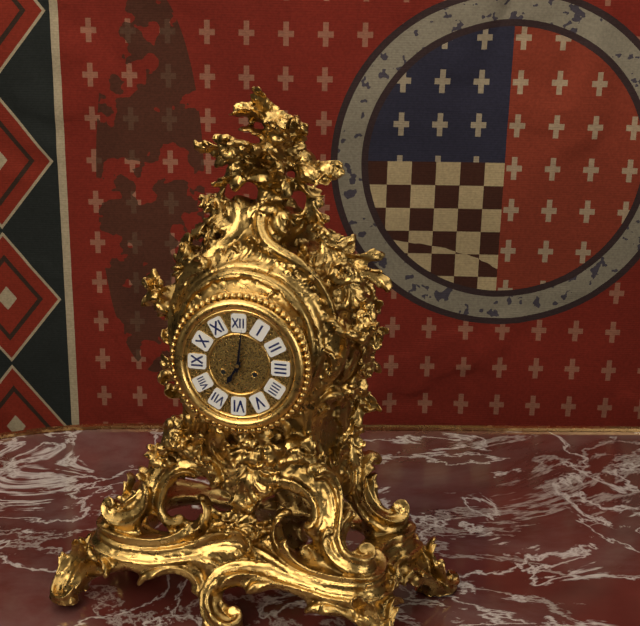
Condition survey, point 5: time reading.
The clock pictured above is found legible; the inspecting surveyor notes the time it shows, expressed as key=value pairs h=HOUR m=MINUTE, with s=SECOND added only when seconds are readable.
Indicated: h=7 m=1
